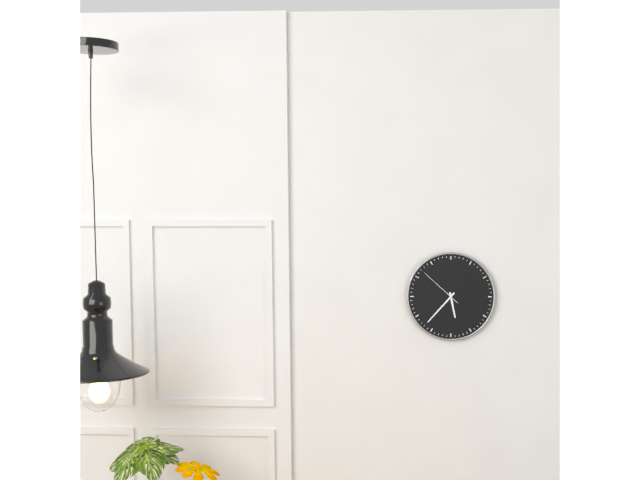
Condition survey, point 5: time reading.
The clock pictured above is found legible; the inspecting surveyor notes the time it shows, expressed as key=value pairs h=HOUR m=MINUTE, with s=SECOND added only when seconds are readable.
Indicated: h=5 m=37
